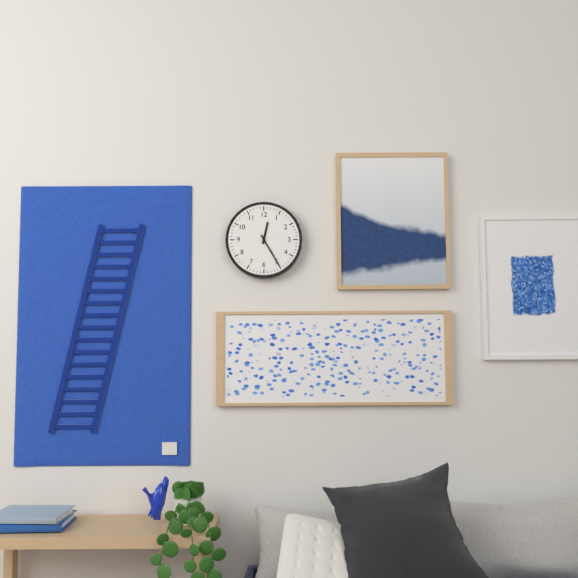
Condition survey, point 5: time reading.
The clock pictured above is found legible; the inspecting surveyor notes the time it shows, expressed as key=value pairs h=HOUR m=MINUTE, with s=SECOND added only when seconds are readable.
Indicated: h=12 m=25
